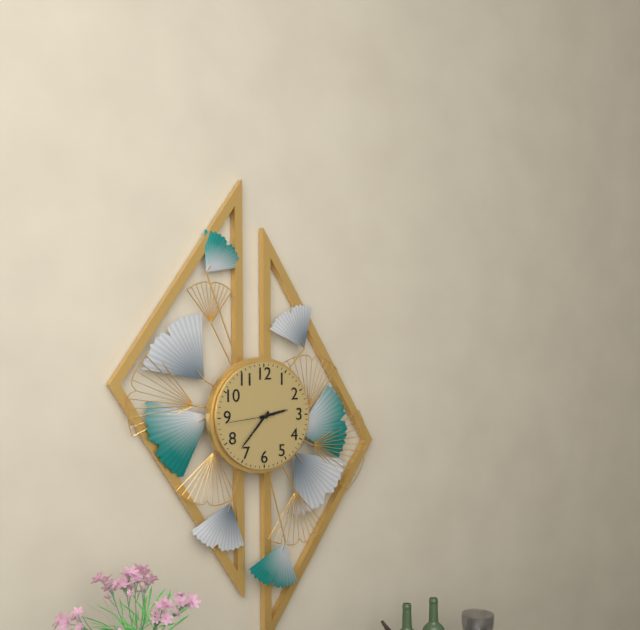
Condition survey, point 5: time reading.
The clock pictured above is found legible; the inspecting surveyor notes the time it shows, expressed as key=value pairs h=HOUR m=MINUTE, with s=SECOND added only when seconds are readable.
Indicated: h=2 m=37 s=44
